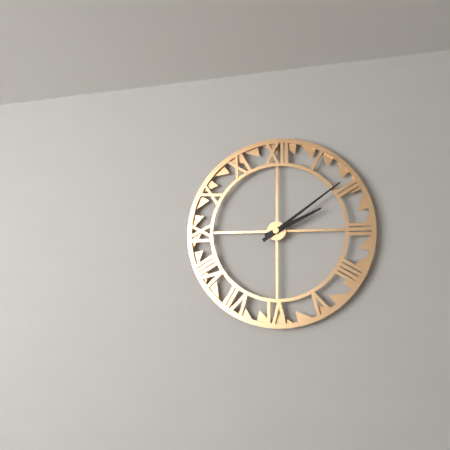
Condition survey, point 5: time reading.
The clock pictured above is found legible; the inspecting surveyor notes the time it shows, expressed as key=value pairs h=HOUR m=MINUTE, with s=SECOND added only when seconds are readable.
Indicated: h=2 m=9
